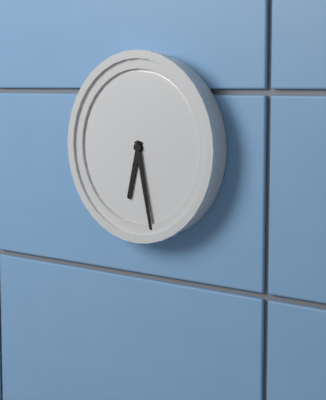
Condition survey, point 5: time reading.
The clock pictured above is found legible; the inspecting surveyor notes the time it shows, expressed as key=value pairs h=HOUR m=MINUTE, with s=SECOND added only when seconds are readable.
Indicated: h=6 m=28
